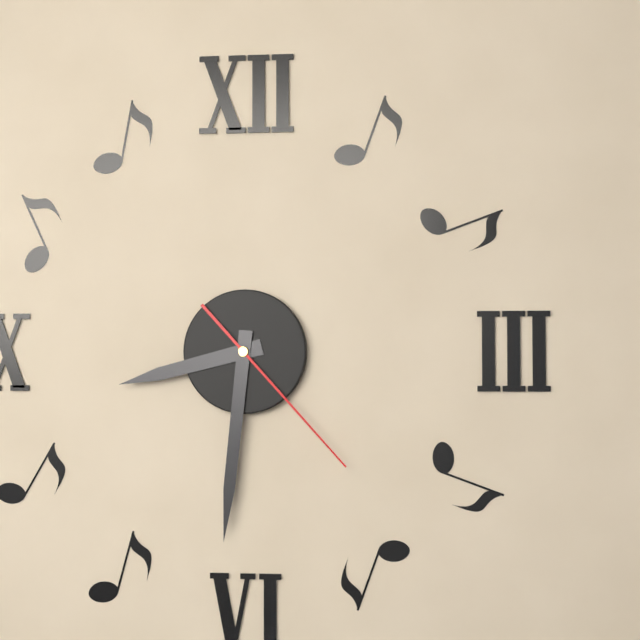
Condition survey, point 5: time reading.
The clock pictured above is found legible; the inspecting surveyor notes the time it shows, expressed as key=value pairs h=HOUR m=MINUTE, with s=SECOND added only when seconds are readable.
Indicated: h=8 m=31 s=23
